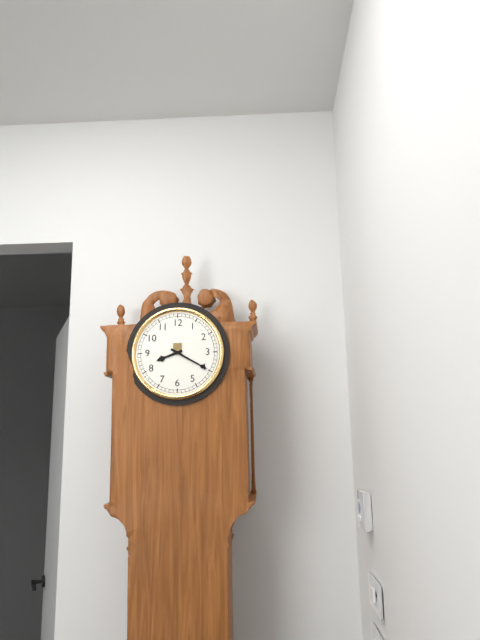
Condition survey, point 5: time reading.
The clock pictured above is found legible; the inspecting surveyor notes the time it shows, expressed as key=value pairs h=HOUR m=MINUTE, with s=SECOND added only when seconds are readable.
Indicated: h=8 m=20
